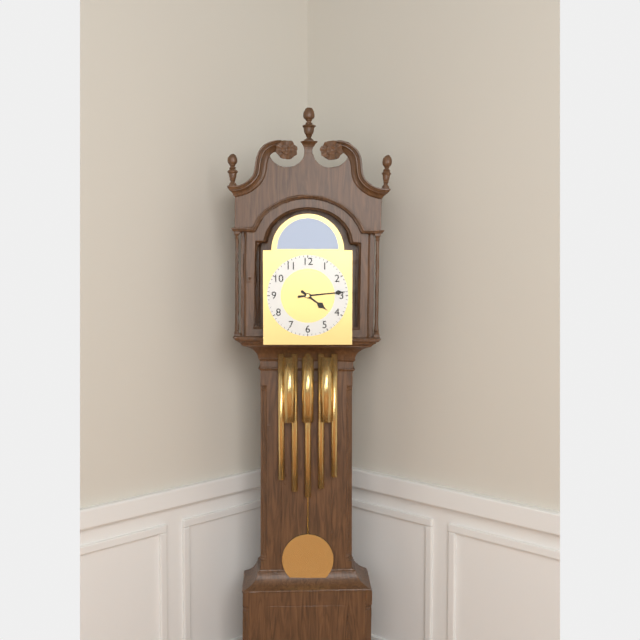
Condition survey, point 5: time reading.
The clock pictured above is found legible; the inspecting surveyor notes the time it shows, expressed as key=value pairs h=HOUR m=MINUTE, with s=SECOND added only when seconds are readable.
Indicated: h=4 m=14
